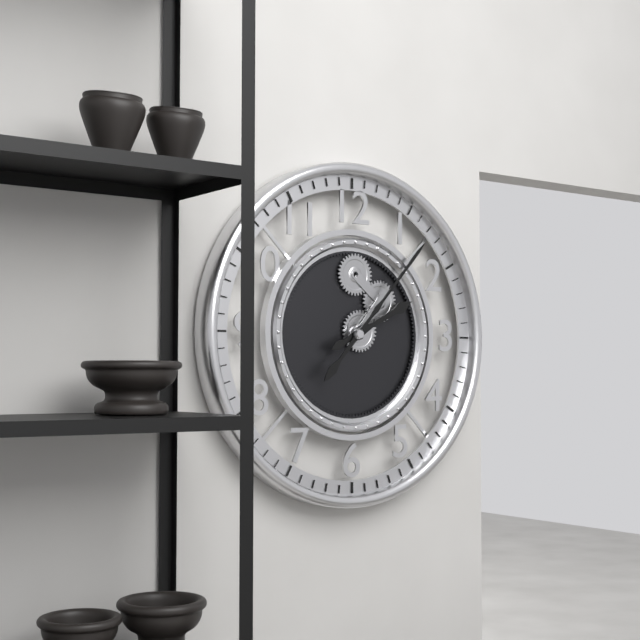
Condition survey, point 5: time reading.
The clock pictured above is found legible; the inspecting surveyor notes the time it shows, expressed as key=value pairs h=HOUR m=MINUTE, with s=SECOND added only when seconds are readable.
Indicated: h=2 m=7
